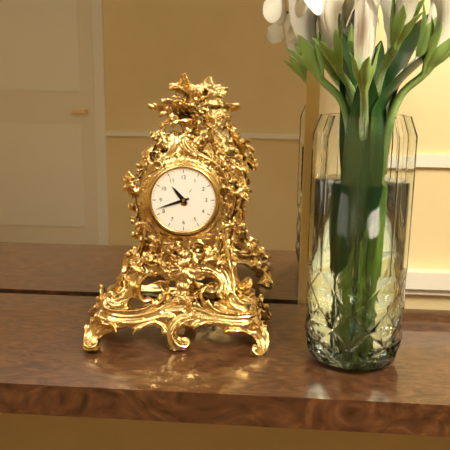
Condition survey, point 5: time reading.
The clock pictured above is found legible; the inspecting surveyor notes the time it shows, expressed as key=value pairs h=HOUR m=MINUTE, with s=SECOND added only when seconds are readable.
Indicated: h=10 m=42
